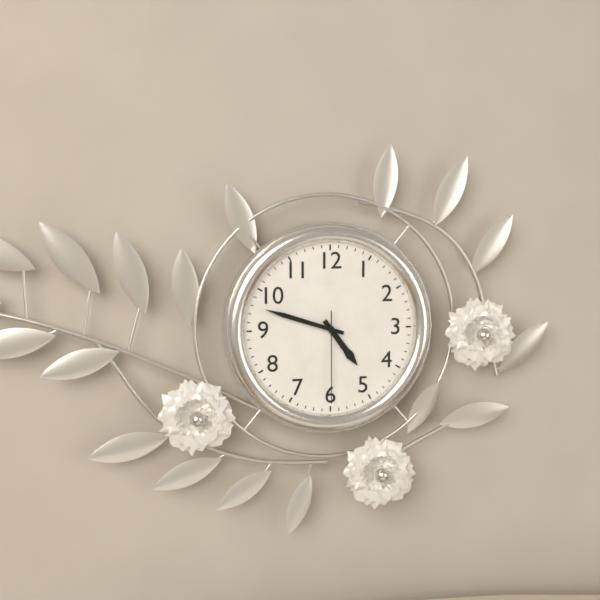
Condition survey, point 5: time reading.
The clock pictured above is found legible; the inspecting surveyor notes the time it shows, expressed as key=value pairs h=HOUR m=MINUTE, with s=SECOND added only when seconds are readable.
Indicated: h=4 m=48 s=30
